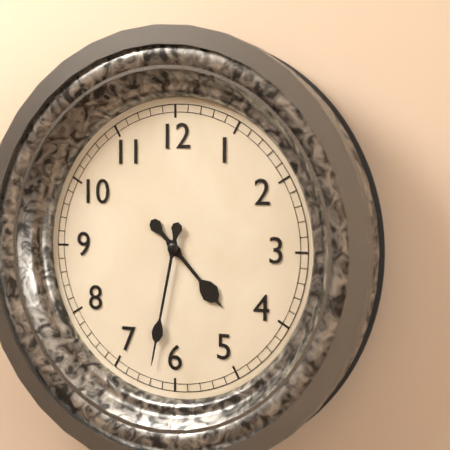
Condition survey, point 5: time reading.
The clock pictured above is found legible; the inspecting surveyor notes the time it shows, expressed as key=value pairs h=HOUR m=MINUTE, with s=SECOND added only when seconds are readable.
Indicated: h=4 m=32
